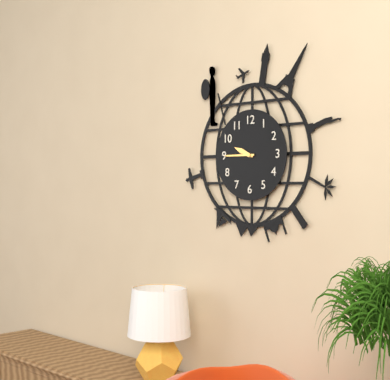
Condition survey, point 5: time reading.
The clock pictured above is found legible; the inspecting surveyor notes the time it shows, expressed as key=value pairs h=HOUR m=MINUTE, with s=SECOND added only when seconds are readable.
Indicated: h=9 m=45
